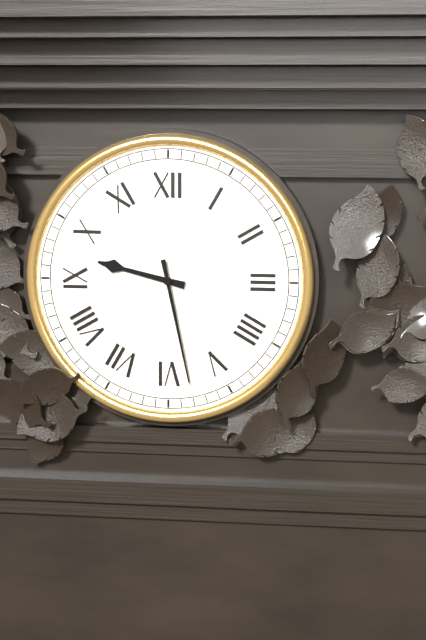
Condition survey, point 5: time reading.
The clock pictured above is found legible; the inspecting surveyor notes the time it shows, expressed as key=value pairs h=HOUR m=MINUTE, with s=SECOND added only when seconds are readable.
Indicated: h=9 m=28
